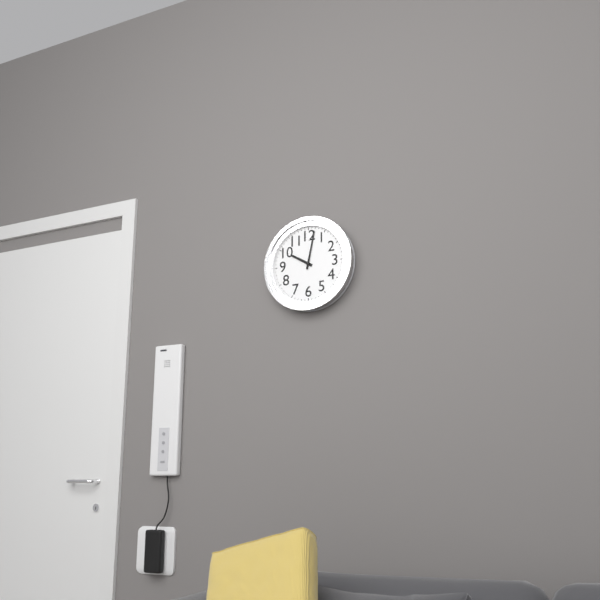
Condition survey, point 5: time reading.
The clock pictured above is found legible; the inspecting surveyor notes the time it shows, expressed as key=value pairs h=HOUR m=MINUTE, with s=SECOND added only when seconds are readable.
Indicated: h=10 m=2
